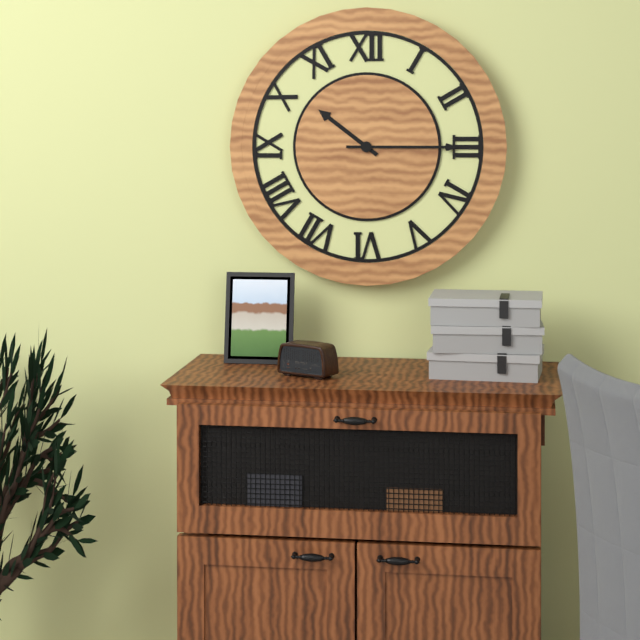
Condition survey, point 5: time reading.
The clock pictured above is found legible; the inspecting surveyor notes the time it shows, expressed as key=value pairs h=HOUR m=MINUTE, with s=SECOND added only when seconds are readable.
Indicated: h=10 m=15
